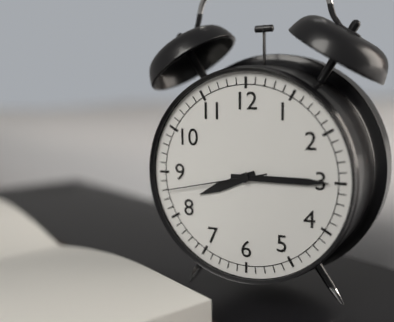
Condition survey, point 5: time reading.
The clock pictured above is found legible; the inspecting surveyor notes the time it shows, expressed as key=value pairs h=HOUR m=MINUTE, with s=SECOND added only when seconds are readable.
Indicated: h=8 m=15 s=43
